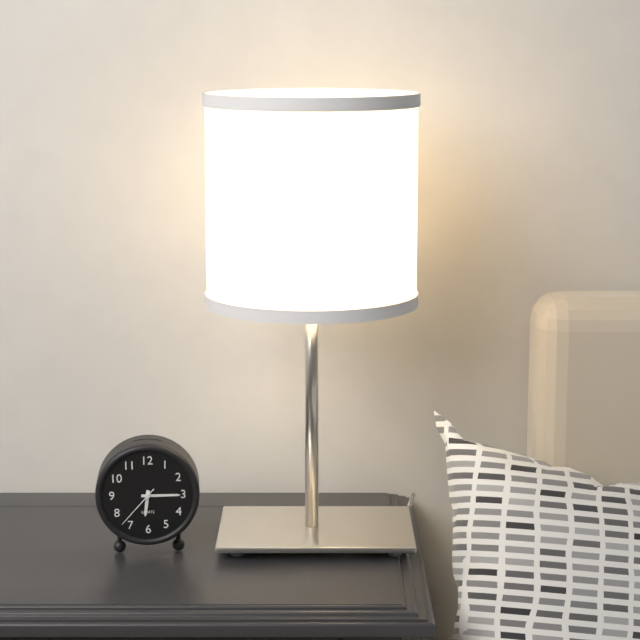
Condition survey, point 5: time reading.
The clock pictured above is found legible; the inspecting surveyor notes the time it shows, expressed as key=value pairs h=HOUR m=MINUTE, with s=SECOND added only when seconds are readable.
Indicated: h=6 m=15
